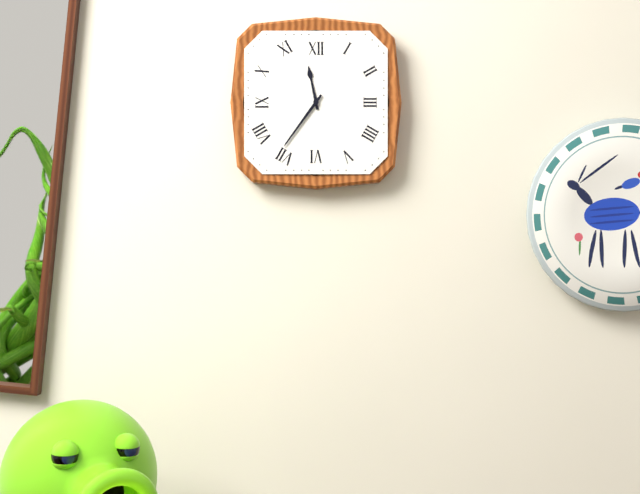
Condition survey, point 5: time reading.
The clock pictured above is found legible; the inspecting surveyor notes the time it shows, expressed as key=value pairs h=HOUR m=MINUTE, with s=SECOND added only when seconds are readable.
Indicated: h=11 m=36
